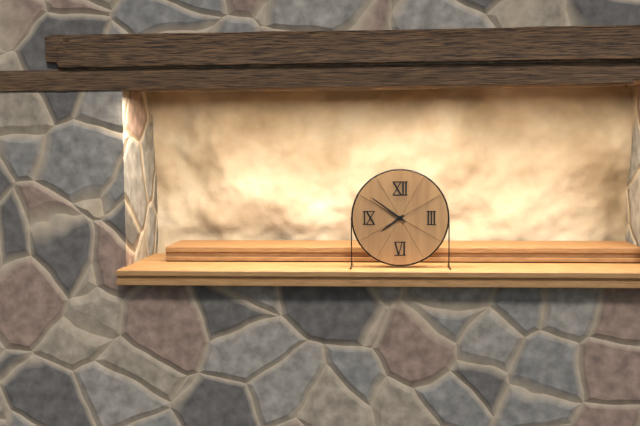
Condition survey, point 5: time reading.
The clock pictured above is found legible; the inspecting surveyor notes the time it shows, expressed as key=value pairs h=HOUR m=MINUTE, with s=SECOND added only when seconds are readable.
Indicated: h=7 m=51
